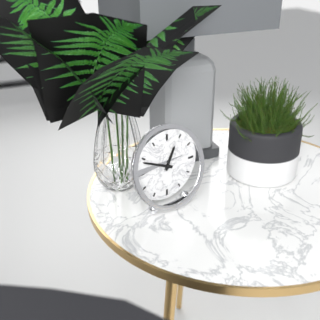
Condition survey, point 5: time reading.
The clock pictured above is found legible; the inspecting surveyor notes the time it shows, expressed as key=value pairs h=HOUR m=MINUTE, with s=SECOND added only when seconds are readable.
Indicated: h=12 m=49
